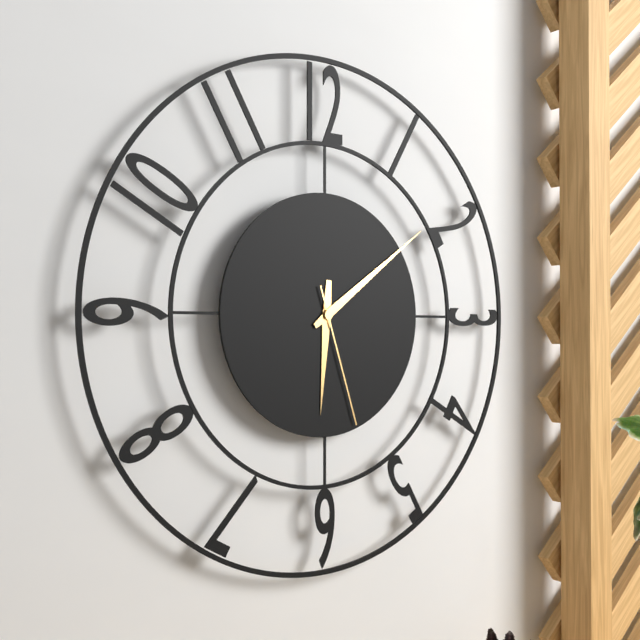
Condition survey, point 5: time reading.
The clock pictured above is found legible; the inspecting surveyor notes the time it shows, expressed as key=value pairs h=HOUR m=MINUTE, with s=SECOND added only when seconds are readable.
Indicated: h=6 m=9 s=27
